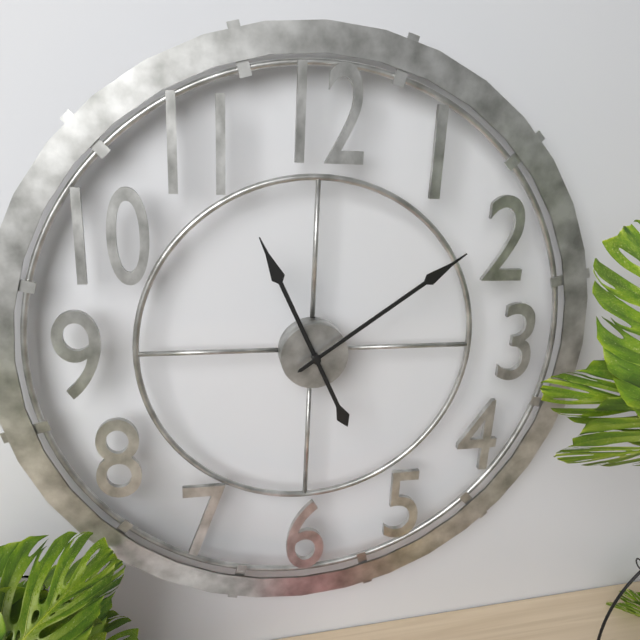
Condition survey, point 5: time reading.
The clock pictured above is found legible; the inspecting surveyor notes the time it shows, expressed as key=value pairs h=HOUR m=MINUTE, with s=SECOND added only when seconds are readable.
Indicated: h=11 m=9
